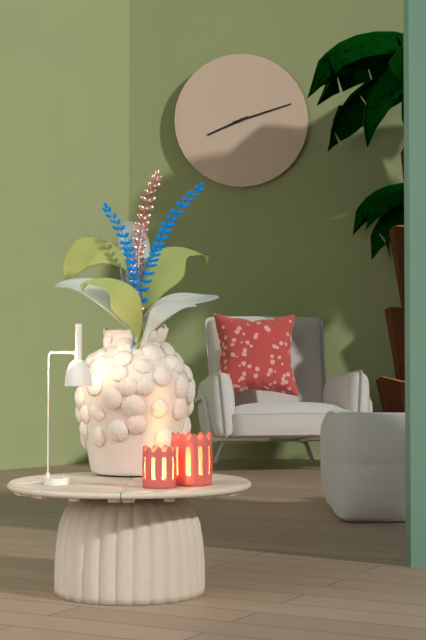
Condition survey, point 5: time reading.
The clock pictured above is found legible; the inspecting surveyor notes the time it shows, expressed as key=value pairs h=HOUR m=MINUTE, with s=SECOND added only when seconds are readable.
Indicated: h=8 m=12
